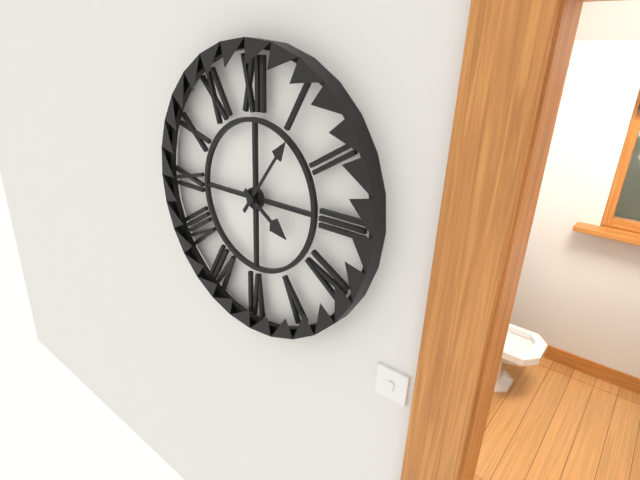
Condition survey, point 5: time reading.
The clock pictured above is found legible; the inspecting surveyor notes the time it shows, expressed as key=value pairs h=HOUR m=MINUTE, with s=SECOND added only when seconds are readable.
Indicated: h=4 m=6
